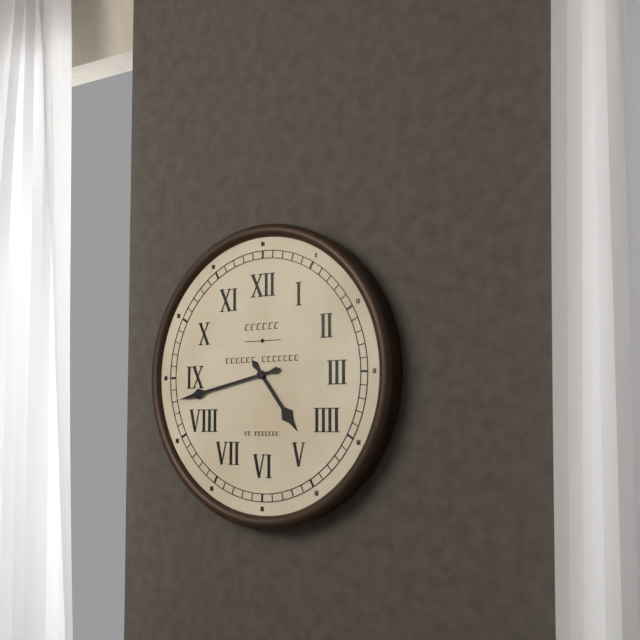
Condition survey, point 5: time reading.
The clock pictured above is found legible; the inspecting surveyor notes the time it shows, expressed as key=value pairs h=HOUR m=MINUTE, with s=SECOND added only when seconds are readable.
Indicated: h=4 m=43
